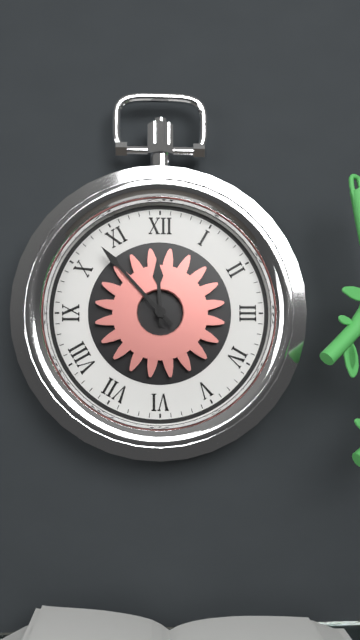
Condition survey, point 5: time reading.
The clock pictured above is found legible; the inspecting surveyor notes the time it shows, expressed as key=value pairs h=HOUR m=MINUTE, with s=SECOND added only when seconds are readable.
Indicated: h=11 m=53
